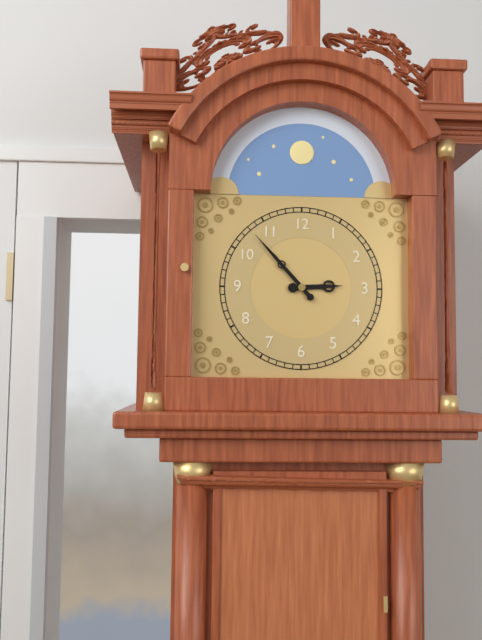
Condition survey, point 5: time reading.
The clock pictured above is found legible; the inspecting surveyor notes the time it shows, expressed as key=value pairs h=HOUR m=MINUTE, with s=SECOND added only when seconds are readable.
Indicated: h=2 m=53
